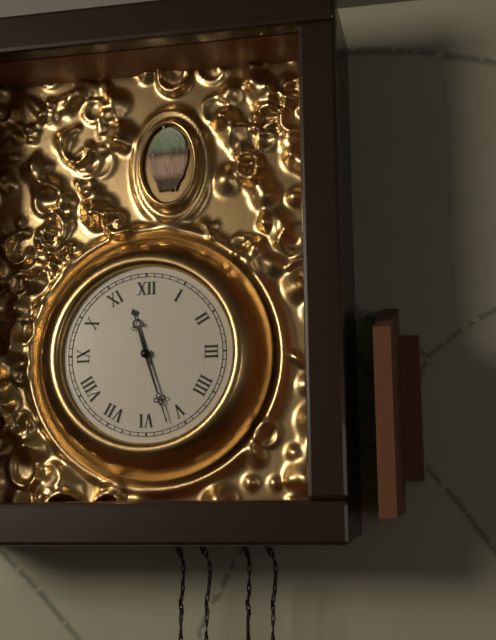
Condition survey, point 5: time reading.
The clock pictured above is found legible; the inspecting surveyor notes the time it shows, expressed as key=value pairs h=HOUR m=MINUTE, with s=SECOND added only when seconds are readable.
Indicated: h=11 m=27
